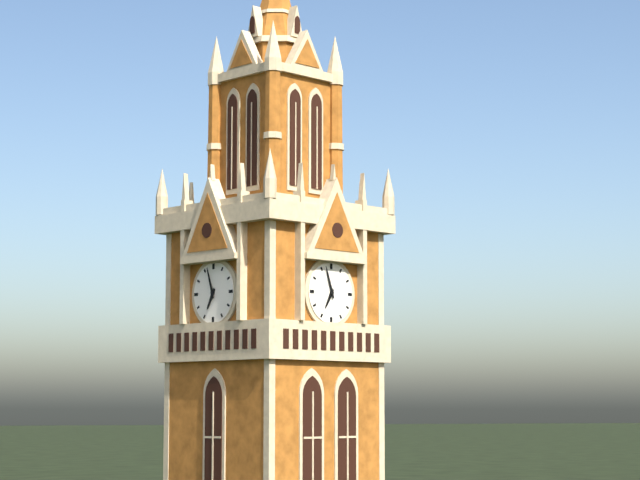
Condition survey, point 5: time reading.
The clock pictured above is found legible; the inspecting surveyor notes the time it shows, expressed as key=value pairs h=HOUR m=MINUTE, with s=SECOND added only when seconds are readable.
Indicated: h=6 m=57
